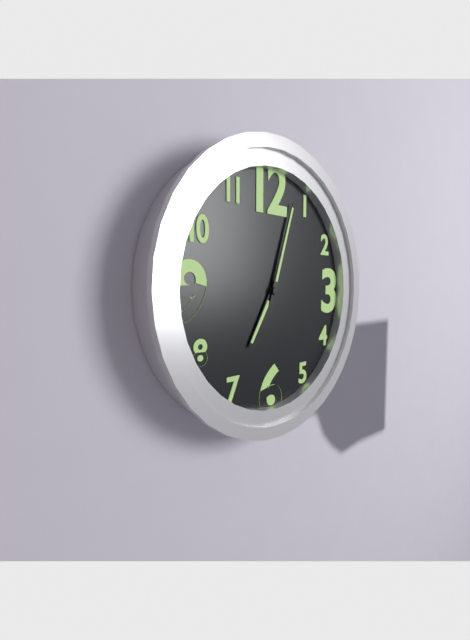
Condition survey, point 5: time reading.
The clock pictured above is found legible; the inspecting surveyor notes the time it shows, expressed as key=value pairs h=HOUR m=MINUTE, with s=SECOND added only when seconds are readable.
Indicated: h=7 m=3
